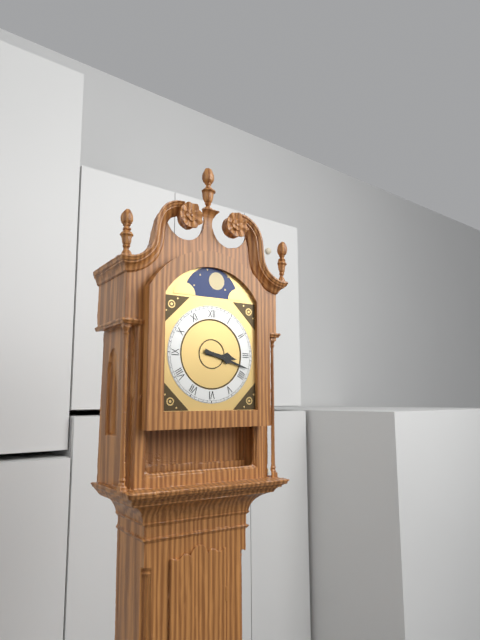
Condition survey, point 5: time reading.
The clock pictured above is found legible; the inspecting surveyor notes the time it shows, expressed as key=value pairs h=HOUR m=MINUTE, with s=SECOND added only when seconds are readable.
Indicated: h=3 m=18
